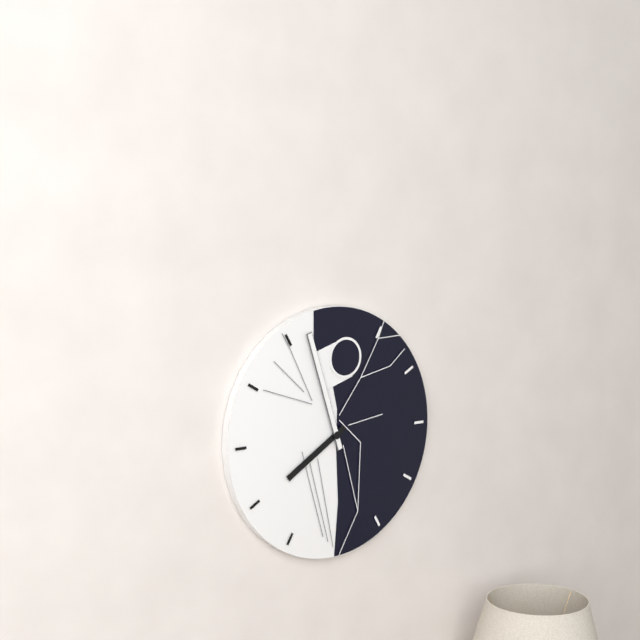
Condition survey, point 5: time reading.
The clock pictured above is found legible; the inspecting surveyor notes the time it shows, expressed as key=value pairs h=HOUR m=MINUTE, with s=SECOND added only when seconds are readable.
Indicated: h=7 m=57
